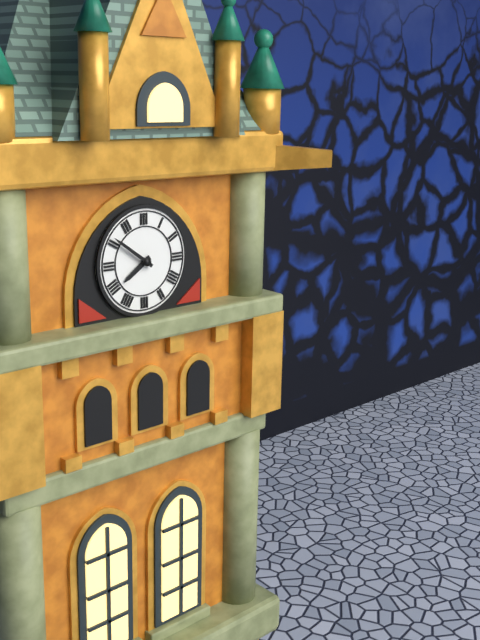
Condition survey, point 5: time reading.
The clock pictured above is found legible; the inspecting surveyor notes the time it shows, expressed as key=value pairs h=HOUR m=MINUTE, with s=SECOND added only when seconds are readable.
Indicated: h=7 m=51
